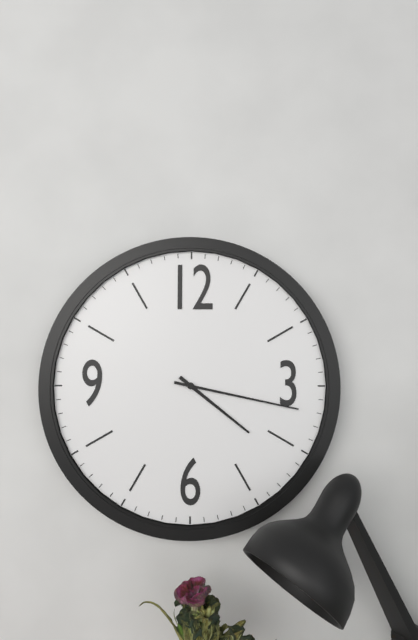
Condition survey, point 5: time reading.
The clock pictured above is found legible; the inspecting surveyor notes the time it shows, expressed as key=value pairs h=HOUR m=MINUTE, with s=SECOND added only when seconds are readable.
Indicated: h=4 m=17
